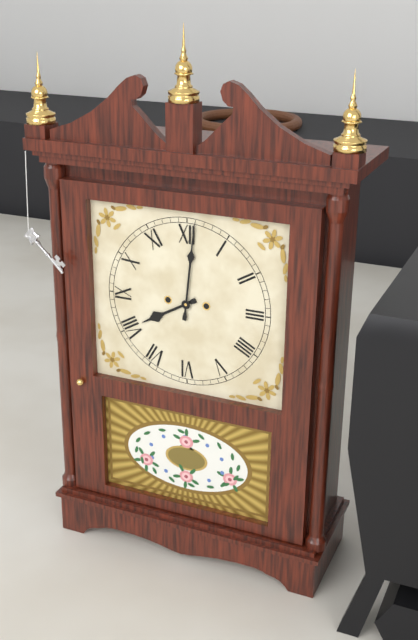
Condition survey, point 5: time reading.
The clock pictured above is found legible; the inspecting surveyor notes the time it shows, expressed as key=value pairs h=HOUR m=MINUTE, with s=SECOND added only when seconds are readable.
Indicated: h=8 m=1
